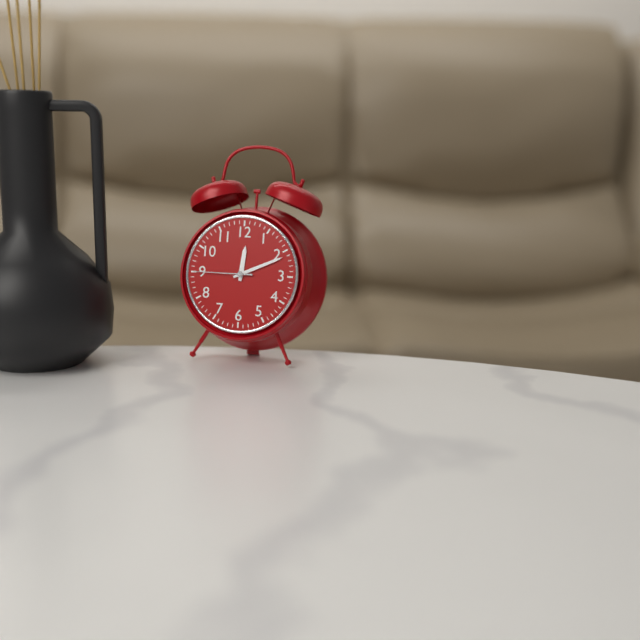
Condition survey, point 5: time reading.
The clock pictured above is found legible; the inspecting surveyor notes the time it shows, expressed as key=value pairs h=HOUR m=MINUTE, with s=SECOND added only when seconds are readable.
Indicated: h=12 m=11 s=45
